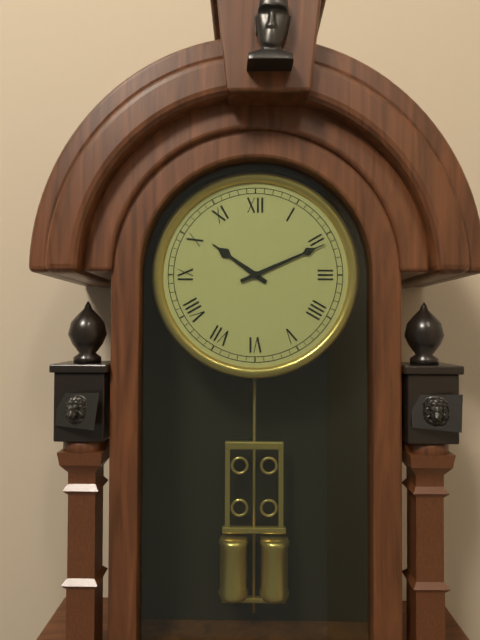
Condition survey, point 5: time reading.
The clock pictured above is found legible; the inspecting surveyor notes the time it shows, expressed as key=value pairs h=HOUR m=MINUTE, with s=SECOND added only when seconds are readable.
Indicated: h=10 m=11
